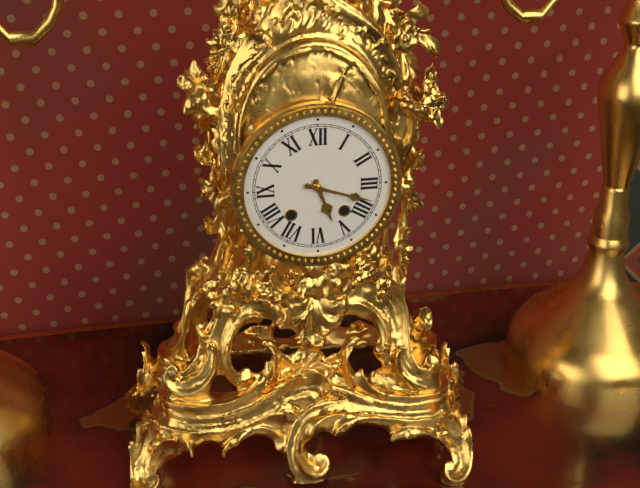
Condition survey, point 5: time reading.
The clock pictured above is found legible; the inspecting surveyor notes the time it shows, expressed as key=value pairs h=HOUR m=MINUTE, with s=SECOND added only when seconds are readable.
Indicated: h=5 m=18
